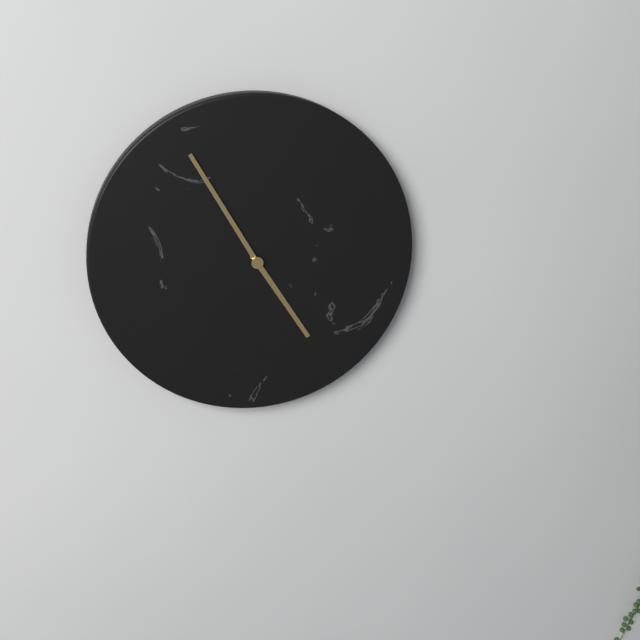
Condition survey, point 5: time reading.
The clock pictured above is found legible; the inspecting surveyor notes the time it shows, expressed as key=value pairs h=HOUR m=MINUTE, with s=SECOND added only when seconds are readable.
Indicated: h=4 m=55
